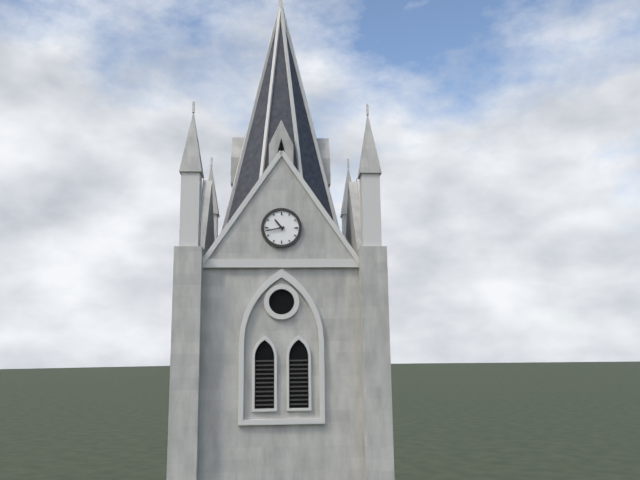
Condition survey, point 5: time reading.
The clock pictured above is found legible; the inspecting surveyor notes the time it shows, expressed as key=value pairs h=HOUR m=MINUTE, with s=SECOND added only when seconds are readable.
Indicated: h=10 m=43
